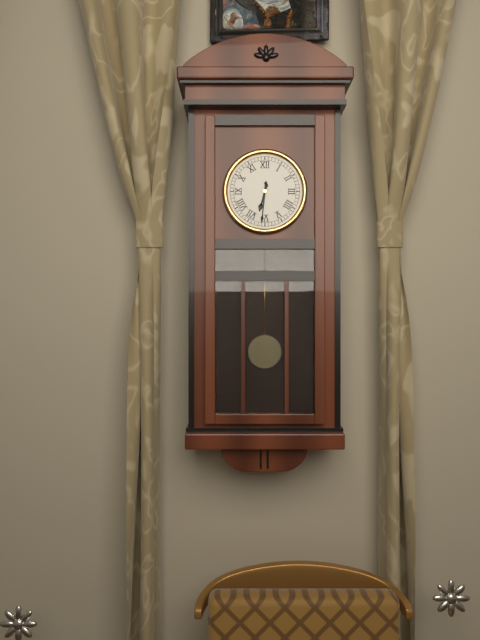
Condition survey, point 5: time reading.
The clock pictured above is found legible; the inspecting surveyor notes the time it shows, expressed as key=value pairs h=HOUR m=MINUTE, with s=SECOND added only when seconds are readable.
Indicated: h=6 m=31
